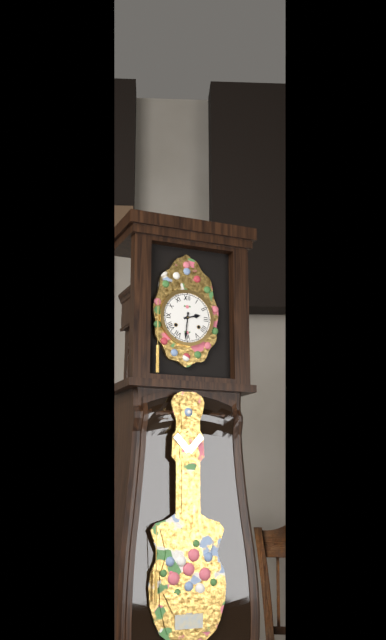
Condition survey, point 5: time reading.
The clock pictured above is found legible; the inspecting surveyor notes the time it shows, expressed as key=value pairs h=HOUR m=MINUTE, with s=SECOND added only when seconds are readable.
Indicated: h=2 m=31
